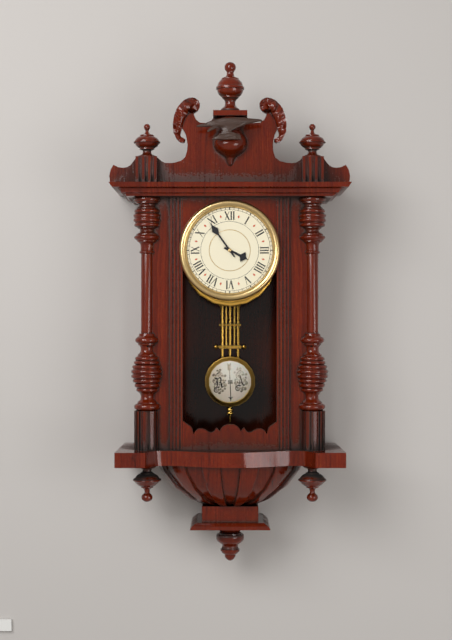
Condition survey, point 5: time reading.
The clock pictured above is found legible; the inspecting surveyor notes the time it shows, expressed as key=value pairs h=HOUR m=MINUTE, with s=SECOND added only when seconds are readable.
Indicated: h=3 m=54
